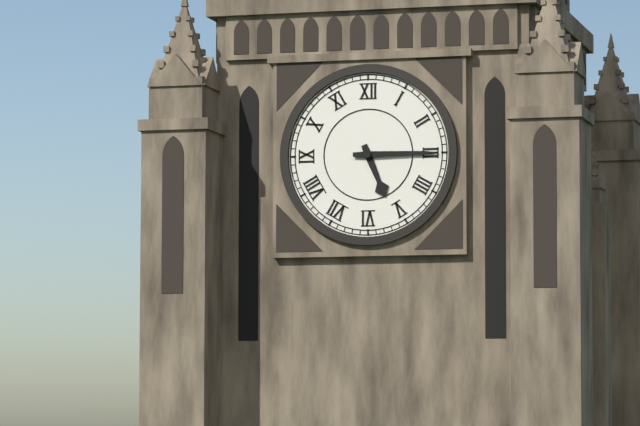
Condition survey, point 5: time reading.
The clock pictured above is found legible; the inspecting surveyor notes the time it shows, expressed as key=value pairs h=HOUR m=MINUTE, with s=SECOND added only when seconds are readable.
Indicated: h=5 m=15
